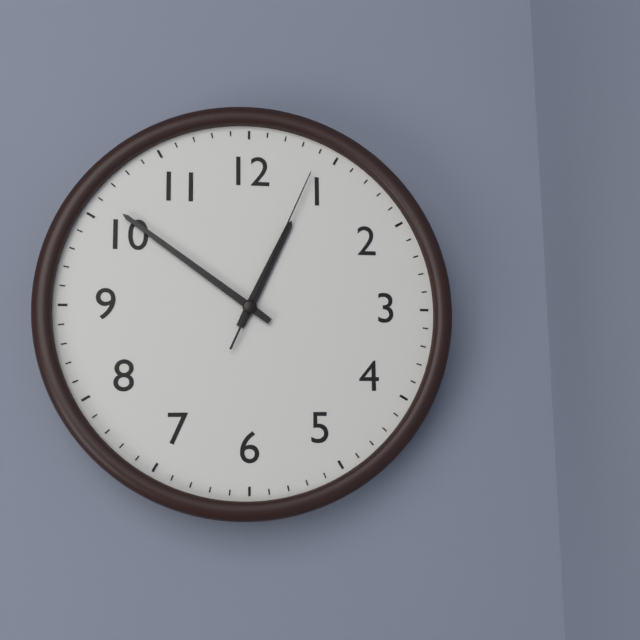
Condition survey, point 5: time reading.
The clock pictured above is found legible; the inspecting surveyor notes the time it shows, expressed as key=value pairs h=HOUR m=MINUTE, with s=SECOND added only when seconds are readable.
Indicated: h=12 m=51 s=4
